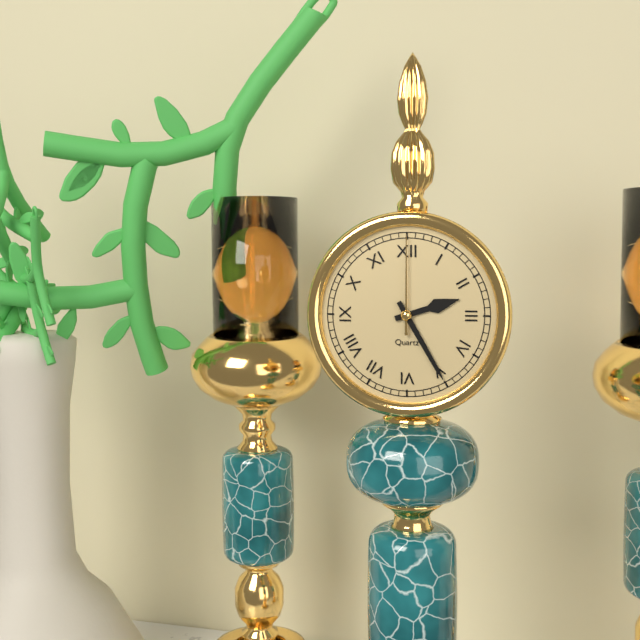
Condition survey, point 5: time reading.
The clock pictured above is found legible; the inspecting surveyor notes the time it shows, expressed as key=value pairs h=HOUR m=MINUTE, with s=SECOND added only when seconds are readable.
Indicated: h=2 m=25 s=0
